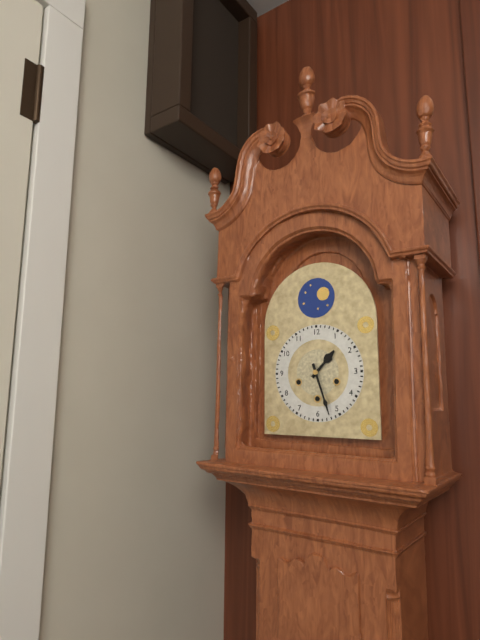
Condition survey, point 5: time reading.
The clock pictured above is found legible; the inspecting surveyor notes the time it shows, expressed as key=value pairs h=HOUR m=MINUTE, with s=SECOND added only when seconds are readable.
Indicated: h=1 m=27
